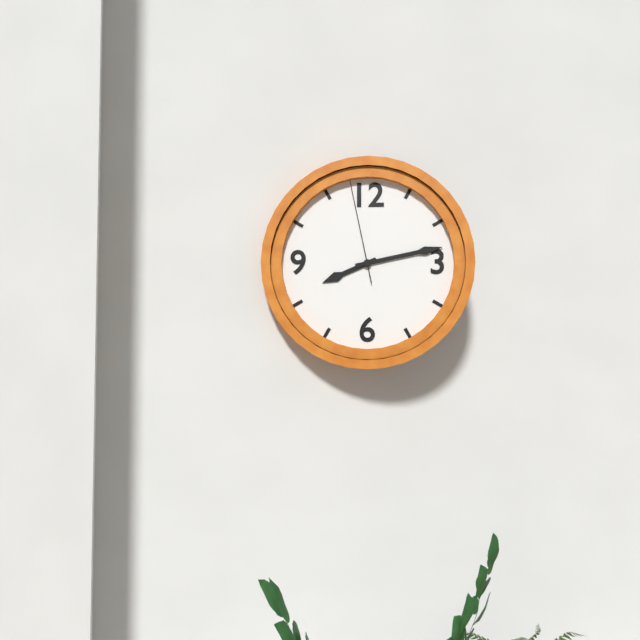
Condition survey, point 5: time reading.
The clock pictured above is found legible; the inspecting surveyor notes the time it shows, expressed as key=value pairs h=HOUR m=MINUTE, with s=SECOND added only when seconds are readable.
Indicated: h=8 m=13 s=58
